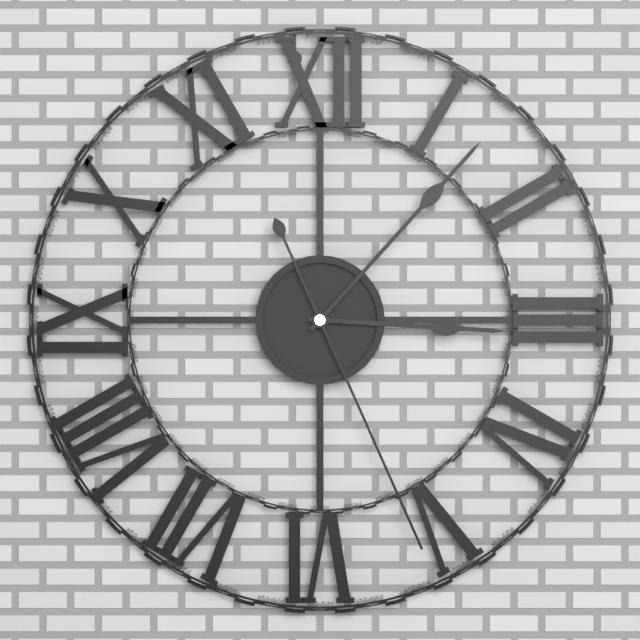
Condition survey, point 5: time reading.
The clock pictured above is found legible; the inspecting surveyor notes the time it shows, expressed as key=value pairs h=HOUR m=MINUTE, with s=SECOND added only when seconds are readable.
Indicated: h=3 m=7 s=26
